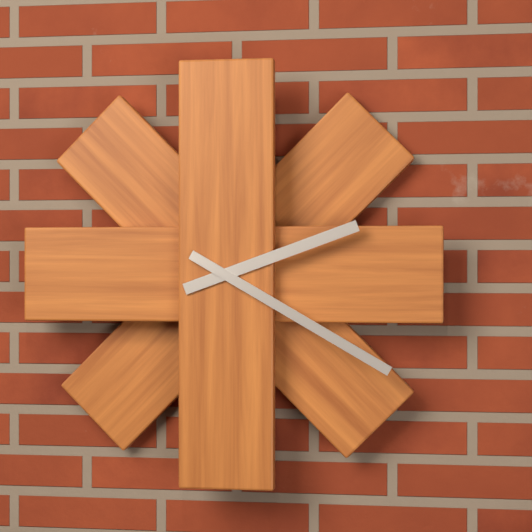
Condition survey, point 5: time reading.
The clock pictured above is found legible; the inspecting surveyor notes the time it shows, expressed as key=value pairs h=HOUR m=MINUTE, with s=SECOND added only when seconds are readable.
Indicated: h=2 m=20
